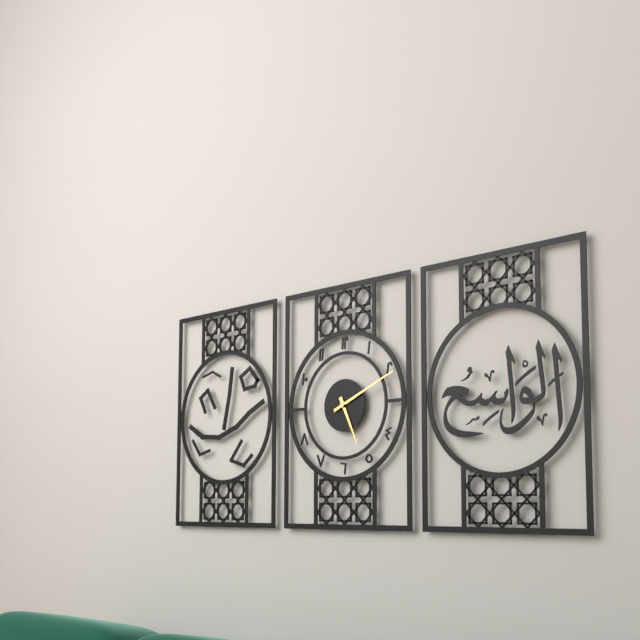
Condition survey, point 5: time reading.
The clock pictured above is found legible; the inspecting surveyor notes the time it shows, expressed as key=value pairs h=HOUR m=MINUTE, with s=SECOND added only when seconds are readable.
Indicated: h=5 m=11
